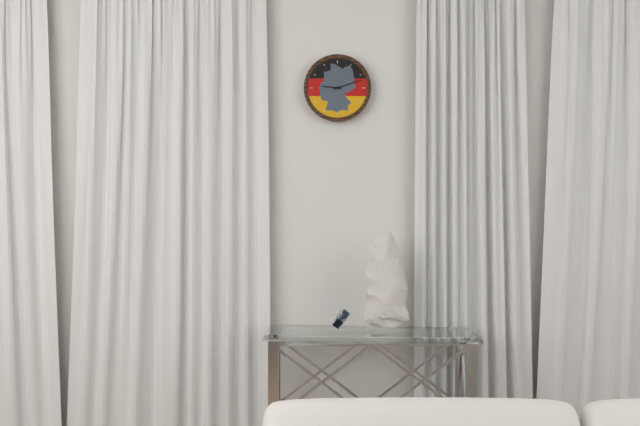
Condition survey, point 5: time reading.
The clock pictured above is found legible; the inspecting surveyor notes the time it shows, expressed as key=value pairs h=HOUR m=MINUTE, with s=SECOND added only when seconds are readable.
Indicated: h=9 m=12
